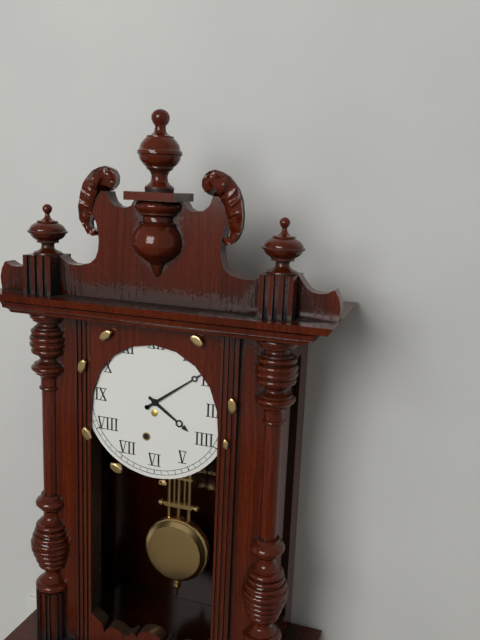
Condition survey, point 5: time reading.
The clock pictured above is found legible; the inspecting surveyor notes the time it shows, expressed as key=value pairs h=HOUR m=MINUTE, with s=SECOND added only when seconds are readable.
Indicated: h=4 m=9
